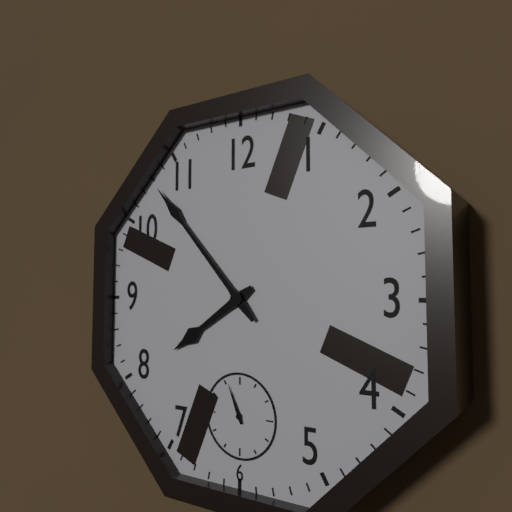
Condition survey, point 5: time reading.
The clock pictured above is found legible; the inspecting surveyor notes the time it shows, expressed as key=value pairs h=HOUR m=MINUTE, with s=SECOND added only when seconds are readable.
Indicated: h=7 m=53
